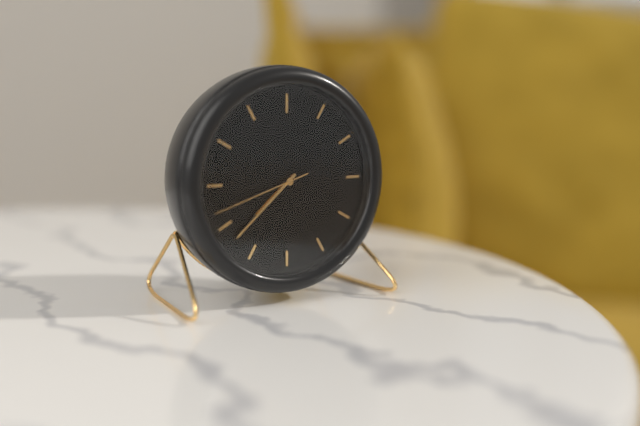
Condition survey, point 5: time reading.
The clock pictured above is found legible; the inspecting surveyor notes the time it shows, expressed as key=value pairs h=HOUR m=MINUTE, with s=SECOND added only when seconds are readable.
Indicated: h=7 m=38 s=42
